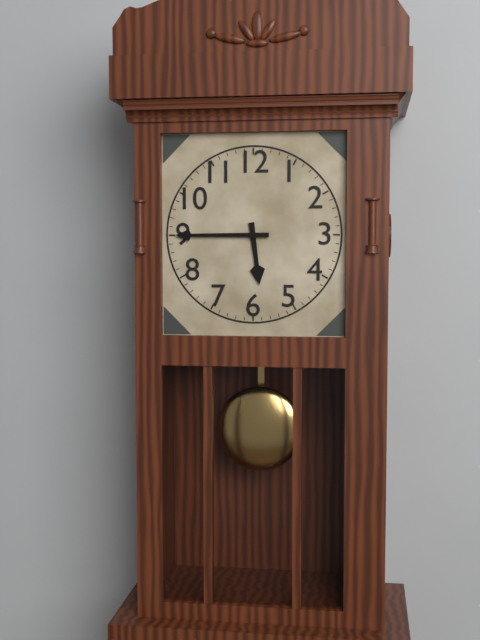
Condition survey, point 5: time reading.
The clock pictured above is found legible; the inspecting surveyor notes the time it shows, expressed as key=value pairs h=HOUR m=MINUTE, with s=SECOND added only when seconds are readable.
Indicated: h=5 m=45
